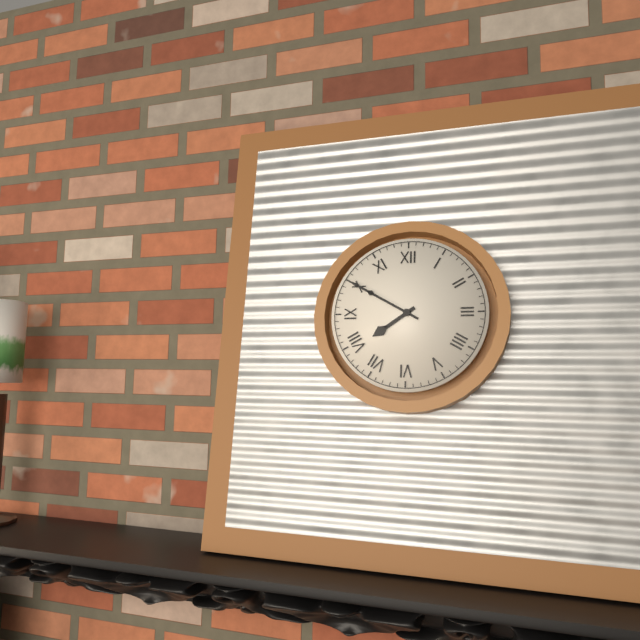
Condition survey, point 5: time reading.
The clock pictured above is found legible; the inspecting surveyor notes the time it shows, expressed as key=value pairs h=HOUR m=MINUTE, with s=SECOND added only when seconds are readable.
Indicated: h=7 m=50
